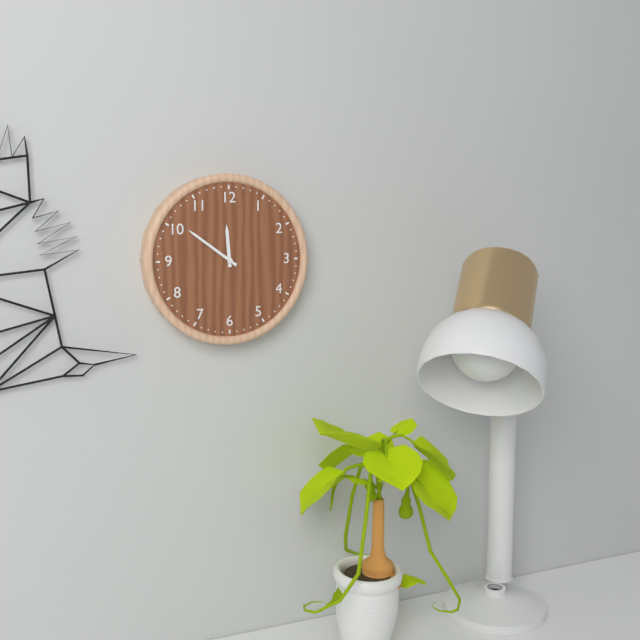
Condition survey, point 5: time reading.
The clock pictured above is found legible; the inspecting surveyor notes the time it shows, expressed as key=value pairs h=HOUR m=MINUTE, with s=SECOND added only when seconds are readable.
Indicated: h=11 m=51
